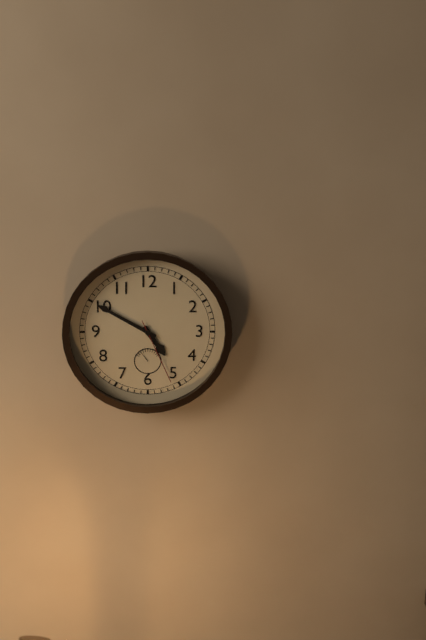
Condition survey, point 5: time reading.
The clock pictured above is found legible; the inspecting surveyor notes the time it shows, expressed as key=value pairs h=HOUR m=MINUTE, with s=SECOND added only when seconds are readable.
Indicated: h=4 m=50 s=26
